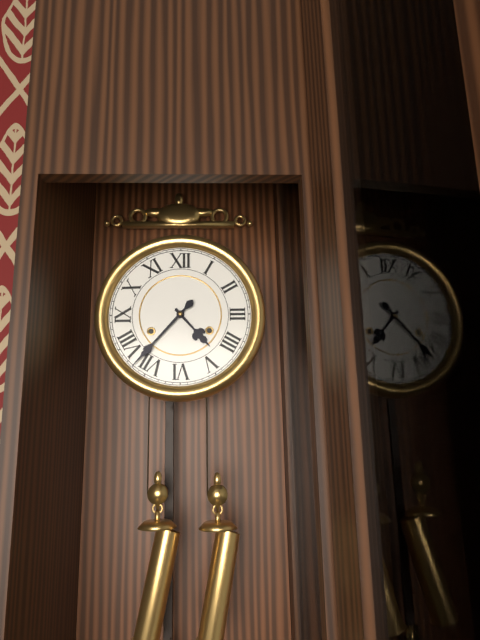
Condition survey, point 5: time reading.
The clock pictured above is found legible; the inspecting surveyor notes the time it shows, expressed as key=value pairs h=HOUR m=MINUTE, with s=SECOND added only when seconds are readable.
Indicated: h=4 m=37
